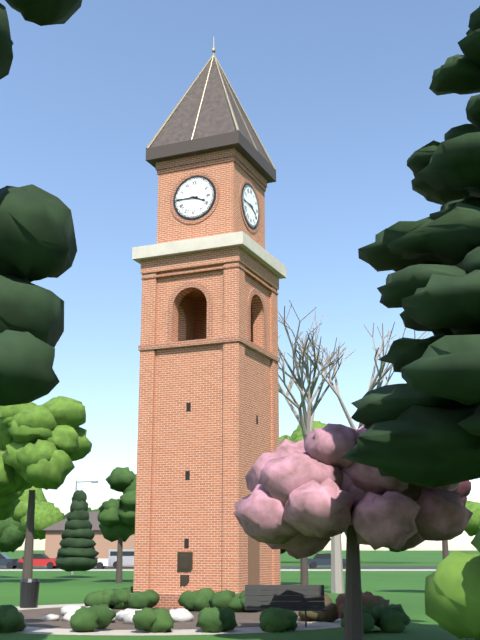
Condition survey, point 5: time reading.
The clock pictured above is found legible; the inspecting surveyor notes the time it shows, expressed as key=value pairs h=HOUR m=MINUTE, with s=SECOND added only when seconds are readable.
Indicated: h=3 m=45
